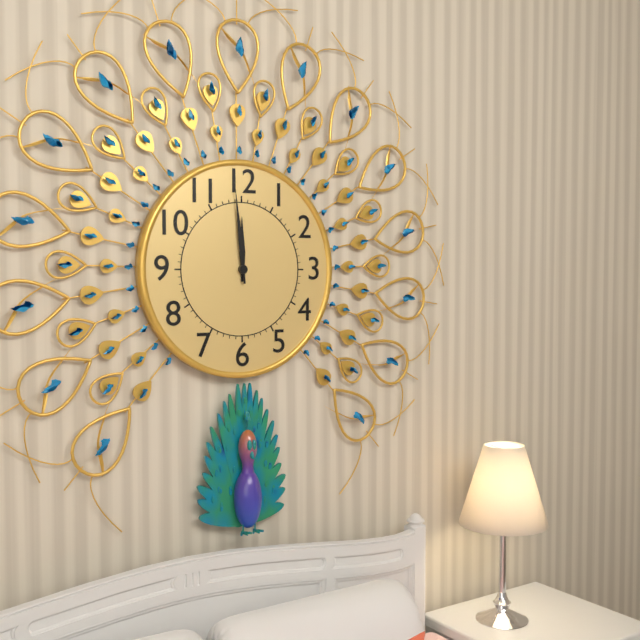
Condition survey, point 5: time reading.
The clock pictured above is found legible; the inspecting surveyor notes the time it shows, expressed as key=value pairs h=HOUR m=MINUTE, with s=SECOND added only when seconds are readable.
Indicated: h=11 m=59
